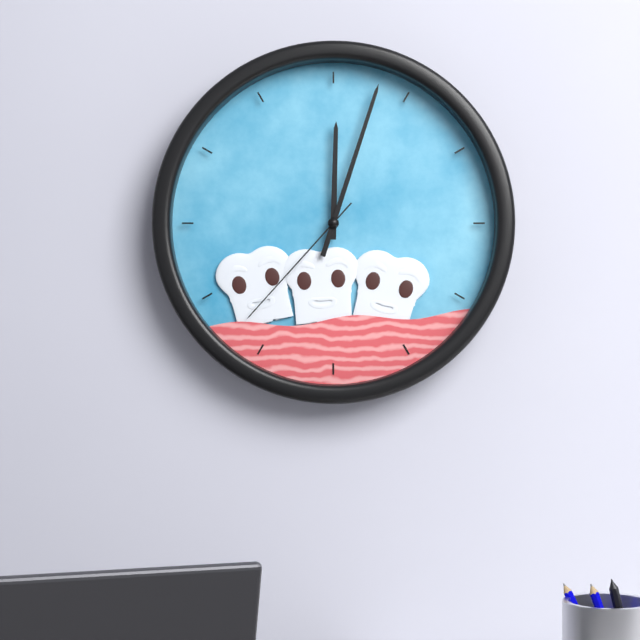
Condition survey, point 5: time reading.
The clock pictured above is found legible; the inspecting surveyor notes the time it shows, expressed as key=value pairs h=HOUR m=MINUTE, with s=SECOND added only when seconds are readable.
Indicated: h=12 m=3 s=37
